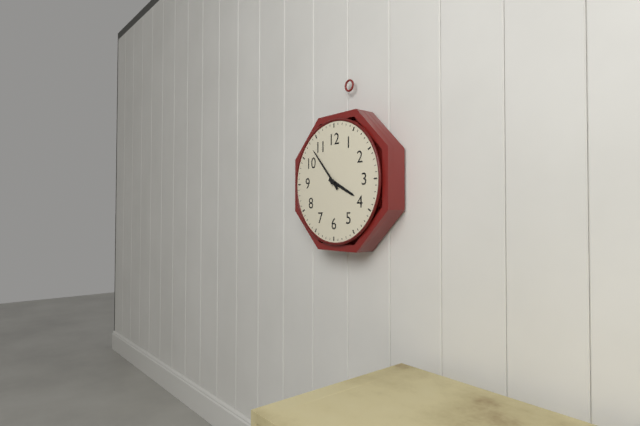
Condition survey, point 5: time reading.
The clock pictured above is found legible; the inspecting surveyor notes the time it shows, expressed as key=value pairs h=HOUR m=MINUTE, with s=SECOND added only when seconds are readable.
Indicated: h=3 m=53
